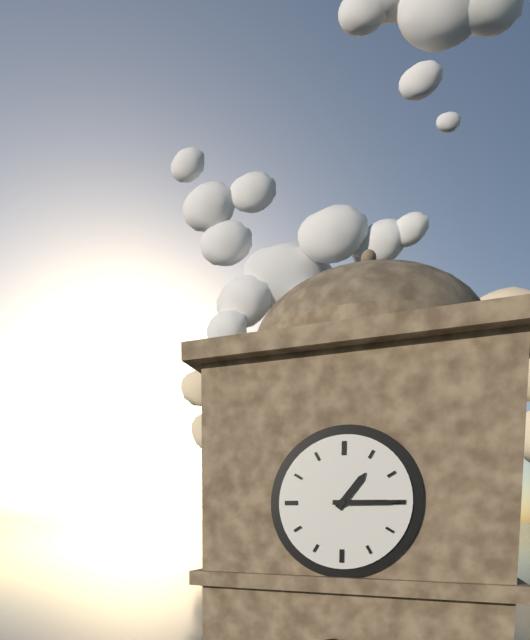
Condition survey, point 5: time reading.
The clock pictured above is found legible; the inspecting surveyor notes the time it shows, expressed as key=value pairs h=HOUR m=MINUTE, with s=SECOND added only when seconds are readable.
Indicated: h=1 m=15
